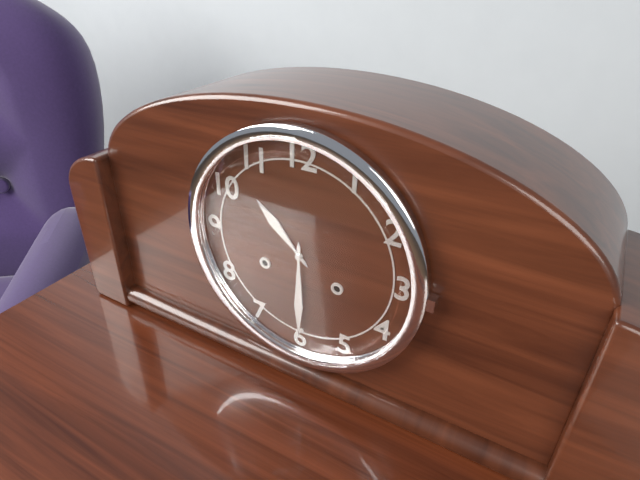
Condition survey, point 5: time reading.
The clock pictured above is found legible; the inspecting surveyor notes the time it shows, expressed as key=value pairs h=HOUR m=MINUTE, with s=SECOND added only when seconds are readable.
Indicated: h=10 m=30
